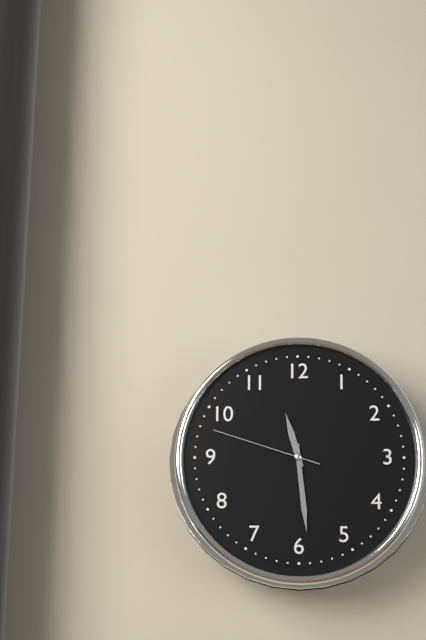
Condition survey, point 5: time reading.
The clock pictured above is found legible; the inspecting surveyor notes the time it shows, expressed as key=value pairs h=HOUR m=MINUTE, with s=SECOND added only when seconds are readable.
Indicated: h=11 m=29 s=48
